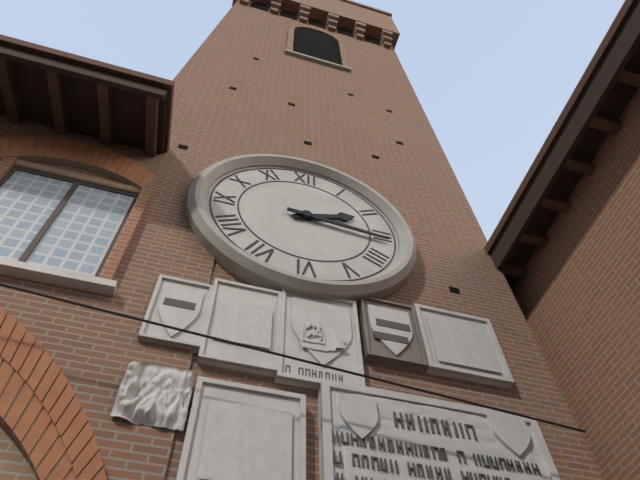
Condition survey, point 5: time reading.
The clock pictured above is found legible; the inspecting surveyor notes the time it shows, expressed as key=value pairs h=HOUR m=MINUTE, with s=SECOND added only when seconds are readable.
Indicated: h=2 m=16
